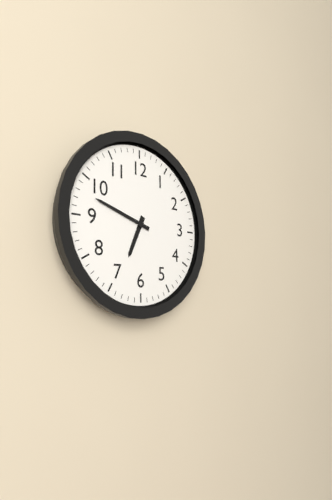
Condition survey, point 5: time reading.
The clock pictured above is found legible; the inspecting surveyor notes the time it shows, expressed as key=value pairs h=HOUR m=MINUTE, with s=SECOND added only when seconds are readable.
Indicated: h=6 m=48
